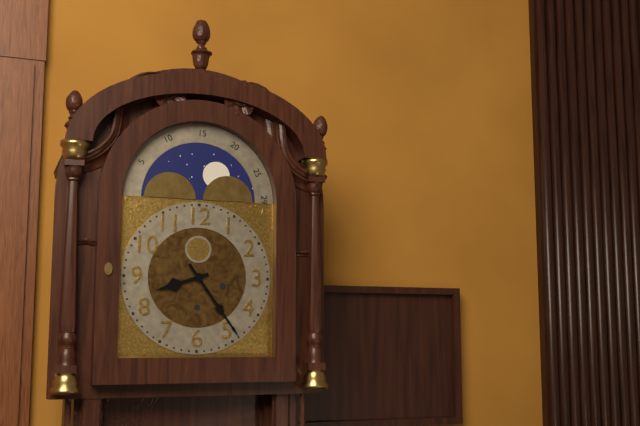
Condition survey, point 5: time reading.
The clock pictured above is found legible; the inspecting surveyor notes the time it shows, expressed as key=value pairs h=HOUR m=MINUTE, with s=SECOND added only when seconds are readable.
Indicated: h=8 m=24
